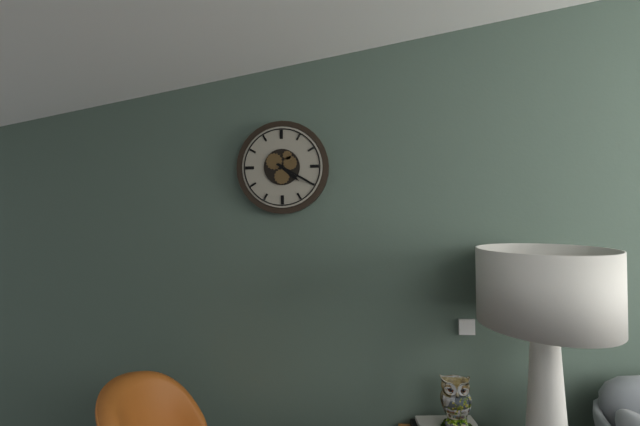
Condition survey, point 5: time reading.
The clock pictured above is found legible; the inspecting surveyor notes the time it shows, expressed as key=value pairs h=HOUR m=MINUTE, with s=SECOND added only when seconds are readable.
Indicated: h=4 m=20
